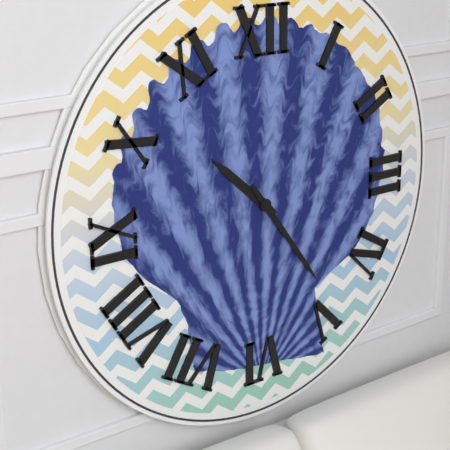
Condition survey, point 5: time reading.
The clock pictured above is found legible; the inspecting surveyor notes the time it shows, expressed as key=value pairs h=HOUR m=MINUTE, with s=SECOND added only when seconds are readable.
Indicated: h=10 m=24
